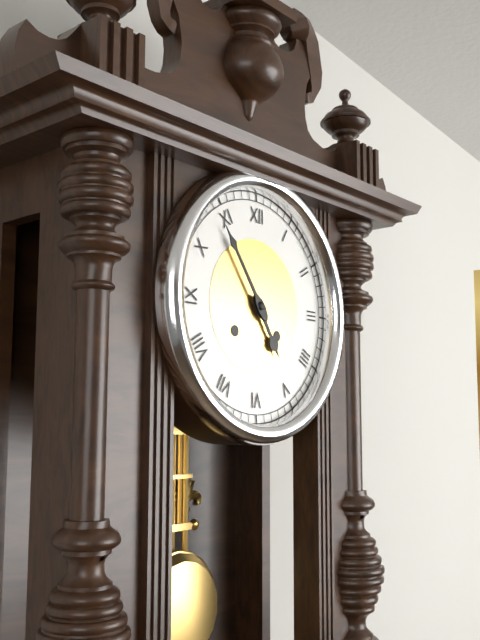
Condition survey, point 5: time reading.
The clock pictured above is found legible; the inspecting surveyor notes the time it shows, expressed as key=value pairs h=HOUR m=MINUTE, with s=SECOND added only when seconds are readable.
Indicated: h=4 m=54
